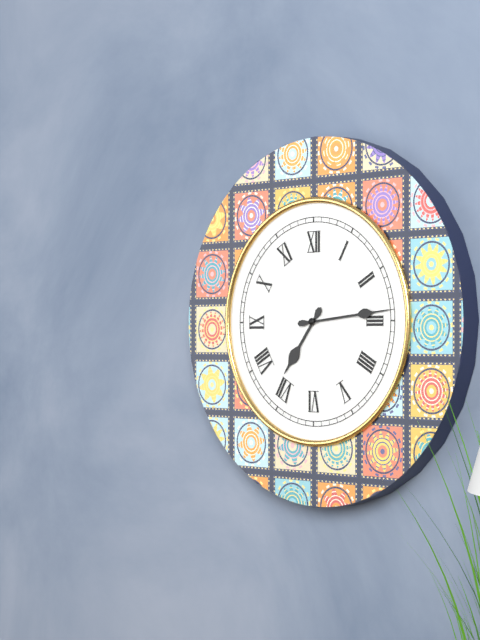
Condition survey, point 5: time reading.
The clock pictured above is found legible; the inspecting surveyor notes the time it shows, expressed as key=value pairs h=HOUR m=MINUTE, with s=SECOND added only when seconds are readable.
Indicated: h=7 m=14
